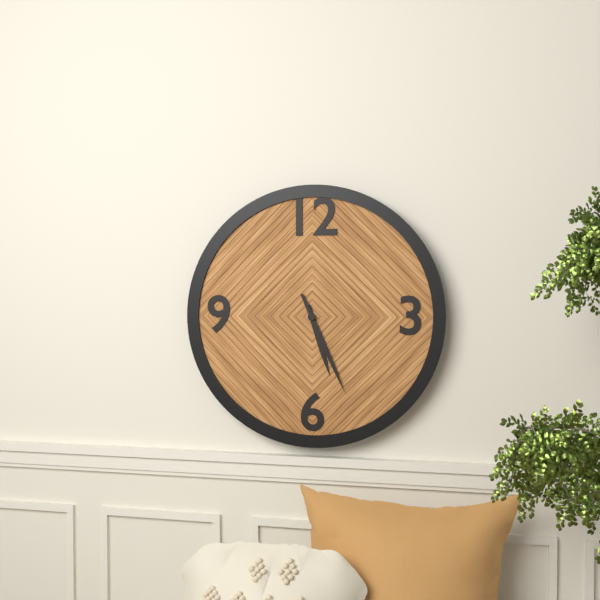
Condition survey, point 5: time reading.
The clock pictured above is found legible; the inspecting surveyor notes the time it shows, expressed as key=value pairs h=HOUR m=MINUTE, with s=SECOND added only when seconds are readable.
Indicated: h=5 m=26
